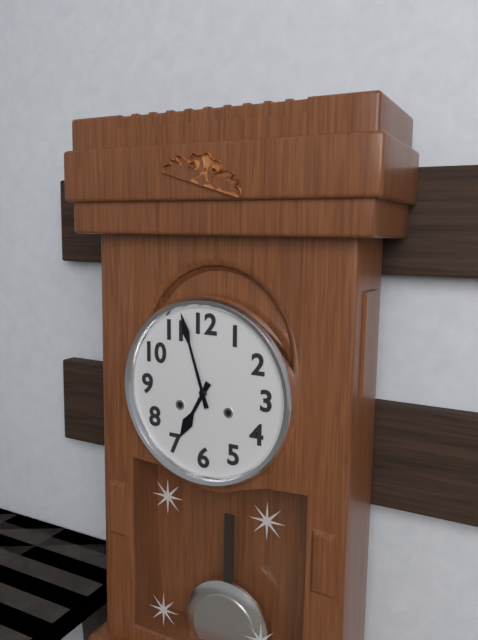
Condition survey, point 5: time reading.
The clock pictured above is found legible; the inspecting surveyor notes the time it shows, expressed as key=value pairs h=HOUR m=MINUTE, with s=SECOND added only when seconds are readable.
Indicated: h=6 m=57
